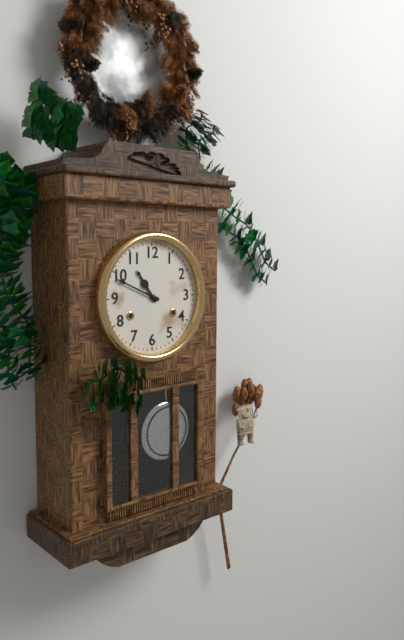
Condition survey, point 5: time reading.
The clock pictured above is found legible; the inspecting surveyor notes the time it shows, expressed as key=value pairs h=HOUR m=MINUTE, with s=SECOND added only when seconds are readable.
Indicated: h=10 m=49
